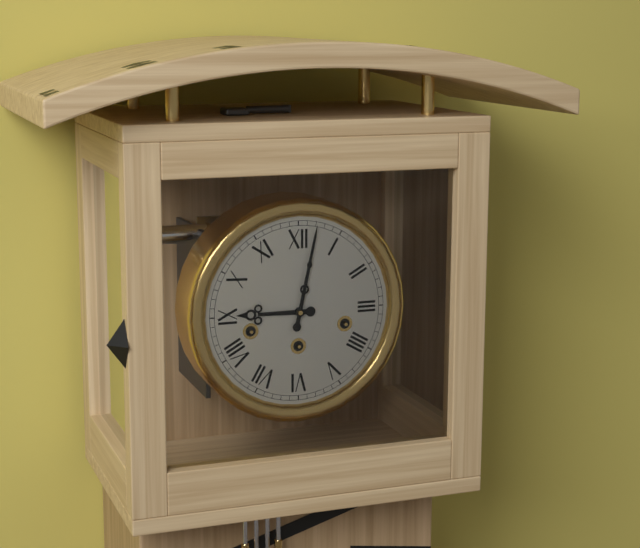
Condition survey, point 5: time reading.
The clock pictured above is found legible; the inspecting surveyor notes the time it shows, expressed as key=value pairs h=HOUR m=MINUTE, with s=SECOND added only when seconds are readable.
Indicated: h=9 m=2
